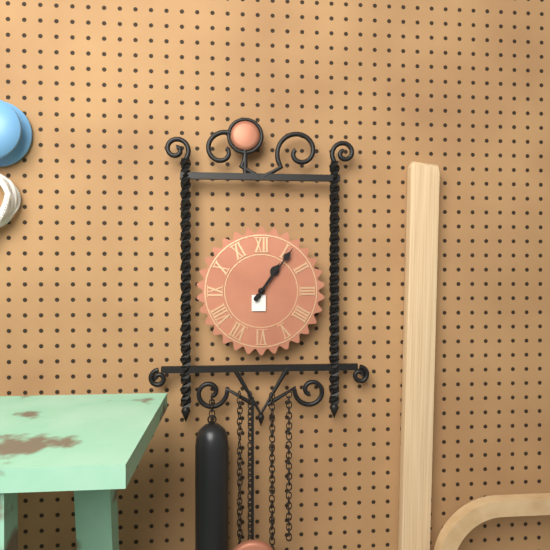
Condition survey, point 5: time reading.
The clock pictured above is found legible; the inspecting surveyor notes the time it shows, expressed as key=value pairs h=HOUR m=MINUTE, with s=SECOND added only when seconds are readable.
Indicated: h=1 m=6
